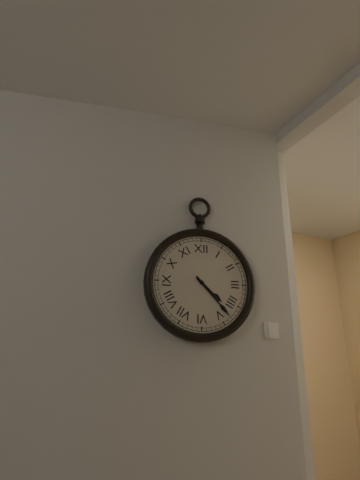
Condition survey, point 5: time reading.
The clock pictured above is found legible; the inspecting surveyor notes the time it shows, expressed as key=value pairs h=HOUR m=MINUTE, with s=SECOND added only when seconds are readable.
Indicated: h=4 m=23
